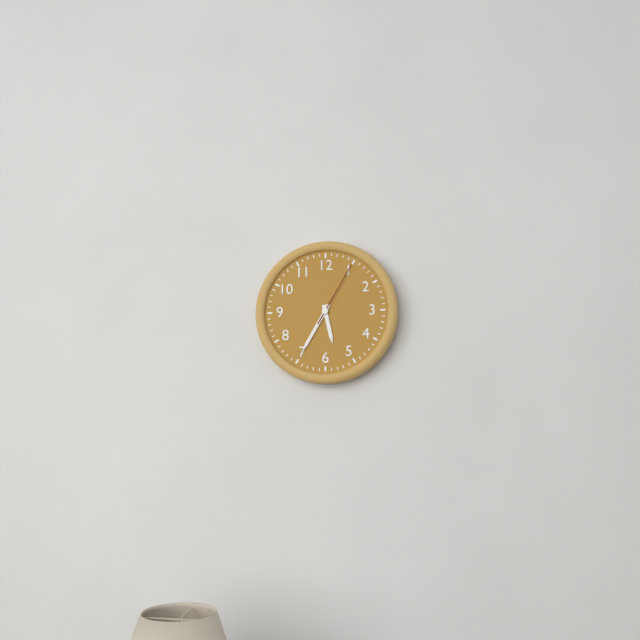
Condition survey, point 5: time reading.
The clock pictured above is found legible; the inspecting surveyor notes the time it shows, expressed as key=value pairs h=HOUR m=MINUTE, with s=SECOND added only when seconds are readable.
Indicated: h=5 m=35 s=5
